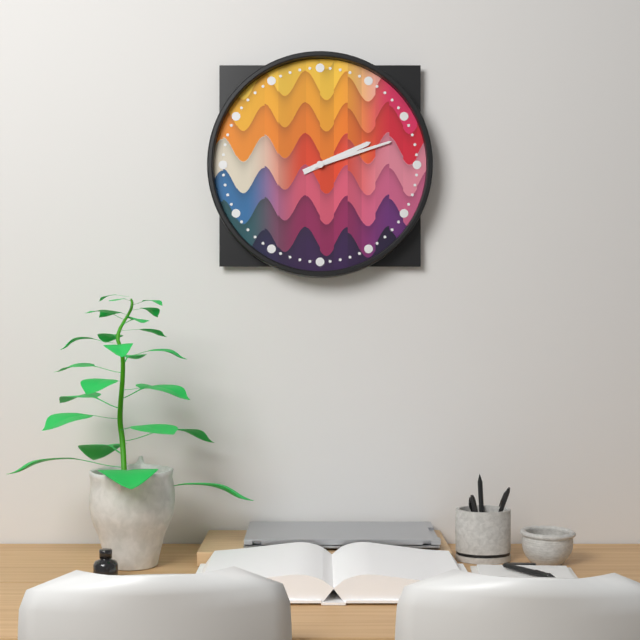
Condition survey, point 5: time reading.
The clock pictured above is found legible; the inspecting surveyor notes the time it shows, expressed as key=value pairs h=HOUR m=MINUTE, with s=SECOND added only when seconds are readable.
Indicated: h=2 m=12
